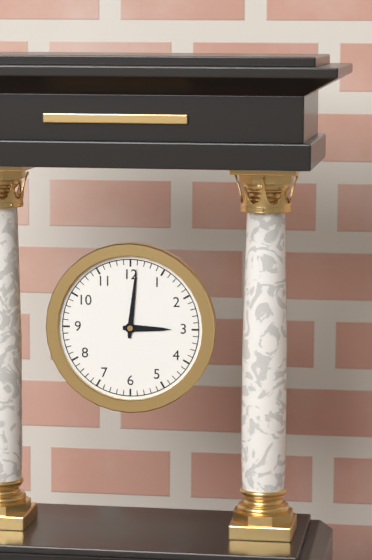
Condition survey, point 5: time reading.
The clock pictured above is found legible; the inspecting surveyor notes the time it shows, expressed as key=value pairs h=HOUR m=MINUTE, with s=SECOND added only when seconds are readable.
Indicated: h=3 m=1
